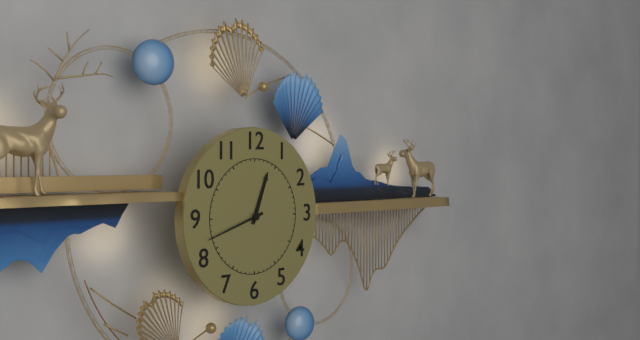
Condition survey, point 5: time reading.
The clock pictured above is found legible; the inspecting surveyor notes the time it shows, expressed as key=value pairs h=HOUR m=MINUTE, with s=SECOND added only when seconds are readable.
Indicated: h=12 m=42
